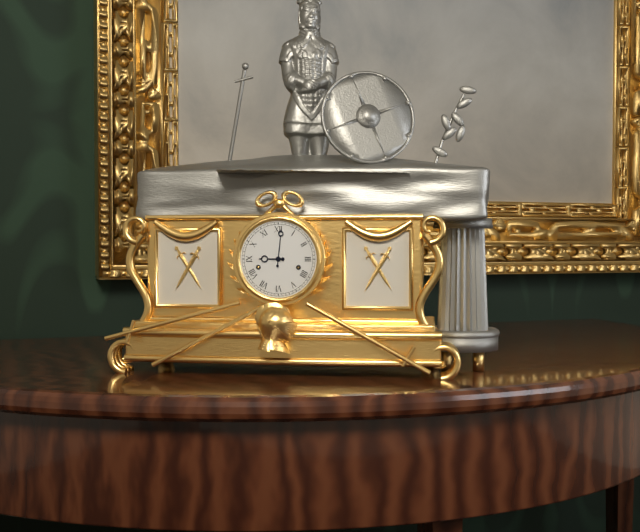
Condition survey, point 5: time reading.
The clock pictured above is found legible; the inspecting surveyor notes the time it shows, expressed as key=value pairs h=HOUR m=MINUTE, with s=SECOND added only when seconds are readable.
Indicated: h=9 m=1
